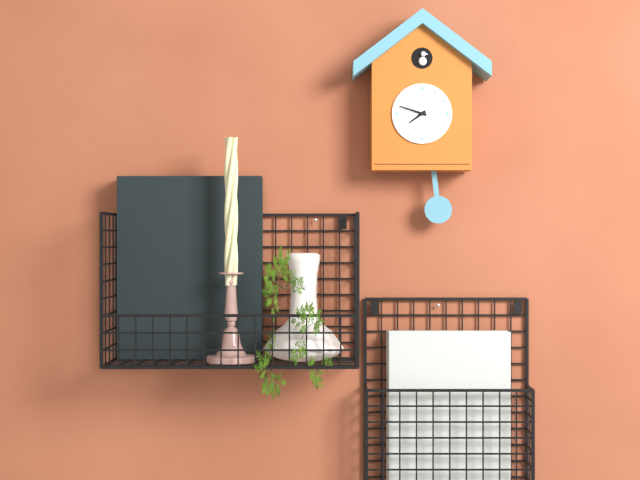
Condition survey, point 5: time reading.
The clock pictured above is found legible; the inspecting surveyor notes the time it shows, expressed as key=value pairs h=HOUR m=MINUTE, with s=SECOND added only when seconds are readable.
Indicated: h=7 m=48
